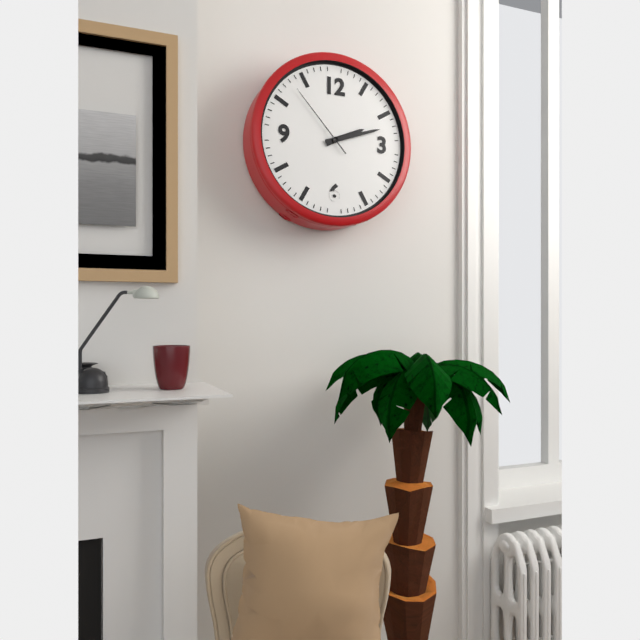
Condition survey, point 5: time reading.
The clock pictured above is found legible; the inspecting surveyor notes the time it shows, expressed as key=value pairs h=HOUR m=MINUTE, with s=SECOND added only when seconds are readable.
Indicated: h=2 m=12 s=53
